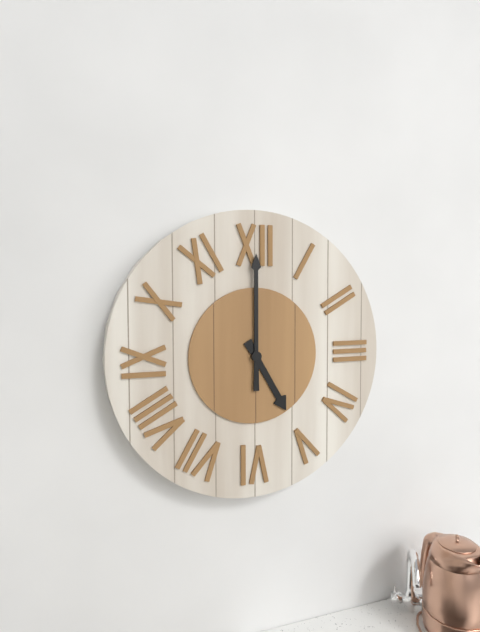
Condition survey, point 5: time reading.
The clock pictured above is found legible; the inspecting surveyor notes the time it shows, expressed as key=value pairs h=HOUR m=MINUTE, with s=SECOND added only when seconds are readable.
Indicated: h=5 m=0
